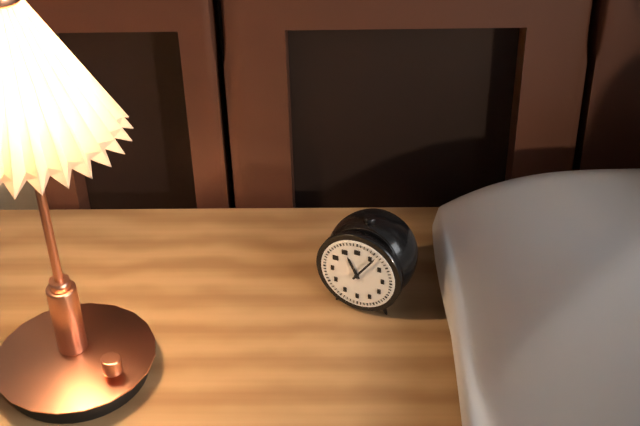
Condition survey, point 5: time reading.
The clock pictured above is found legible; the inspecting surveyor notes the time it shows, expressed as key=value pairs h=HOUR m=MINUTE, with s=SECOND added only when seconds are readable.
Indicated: h=11 m=6
